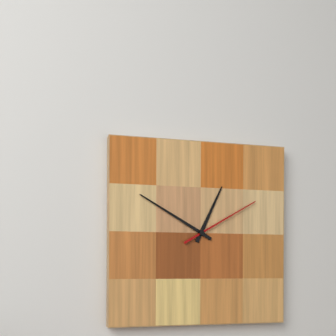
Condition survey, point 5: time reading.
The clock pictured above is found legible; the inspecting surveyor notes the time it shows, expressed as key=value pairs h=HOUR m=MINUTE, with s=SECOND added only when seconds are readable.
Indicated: h=12 m=50 s=10
